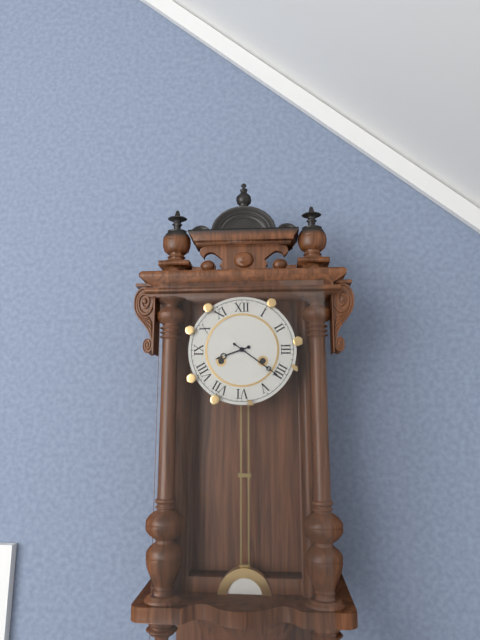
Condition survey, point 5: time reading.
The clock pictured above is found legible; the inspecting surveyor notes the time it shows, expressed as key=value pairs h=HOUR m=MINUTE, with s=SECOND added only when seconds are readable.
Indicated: h=8 m=21
